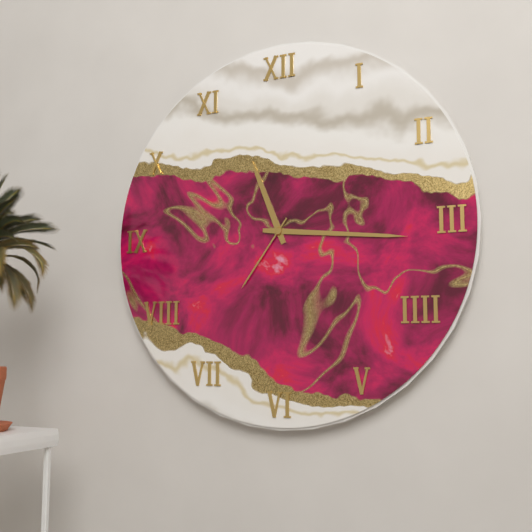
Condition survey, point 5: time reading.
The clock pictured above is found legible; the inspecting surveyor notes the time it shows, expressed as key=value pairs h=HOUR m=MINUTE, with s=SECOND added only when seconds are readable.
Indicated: h=11 m=16 s=36
